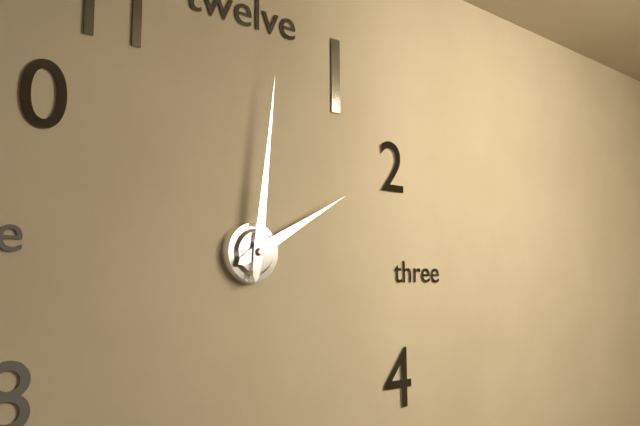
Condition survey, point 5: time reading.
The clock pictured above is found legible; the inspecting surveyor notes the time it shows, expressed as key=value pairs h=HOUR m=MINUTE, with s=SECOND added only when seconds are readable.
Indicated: h=2 m=1
